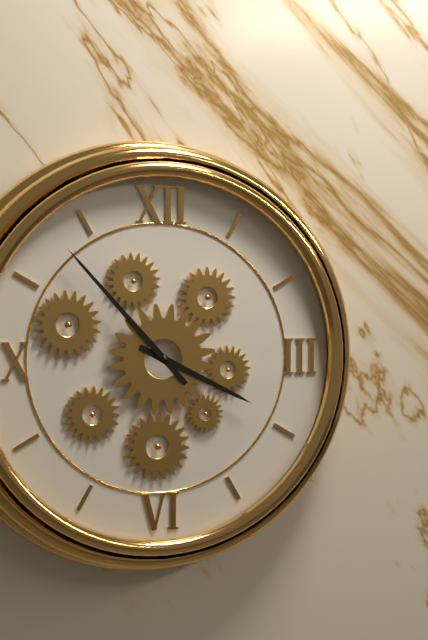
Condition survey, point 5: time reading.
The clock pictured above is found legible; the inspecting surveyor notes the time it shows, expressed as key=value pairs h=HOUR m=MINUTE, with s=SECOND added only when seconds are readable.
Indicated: h=3 m=53
